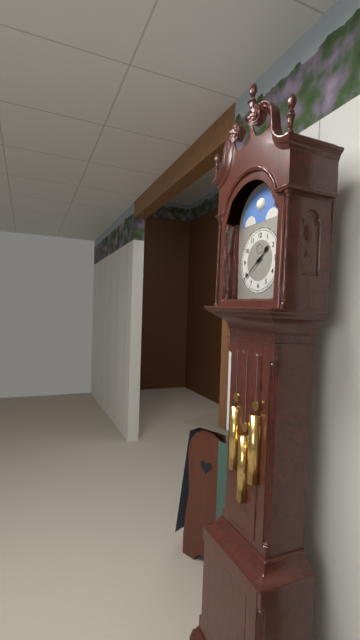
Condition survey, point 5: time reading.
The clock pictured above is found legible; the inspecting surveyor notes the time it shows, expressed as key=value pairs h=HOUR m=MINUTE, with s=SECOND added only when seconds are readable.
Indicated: h=1 m=39
